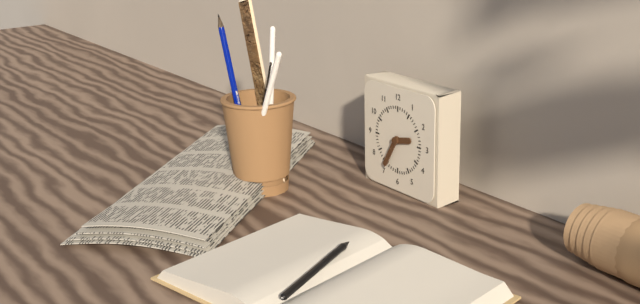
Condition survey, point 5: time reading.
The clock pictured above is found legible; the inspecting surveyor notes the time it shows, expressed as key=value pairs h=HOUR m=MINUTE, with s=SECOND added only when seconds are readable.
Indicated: h=2 m=35
